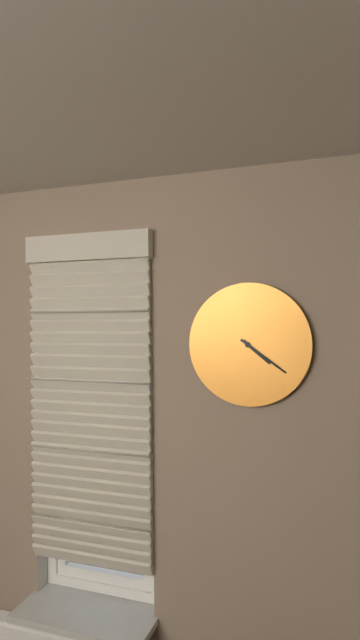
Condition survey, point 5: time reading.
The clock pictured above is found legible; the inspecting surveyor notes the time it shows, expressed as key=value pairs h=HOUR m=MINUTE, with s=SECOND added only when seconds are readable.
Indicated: h=4 m=21
